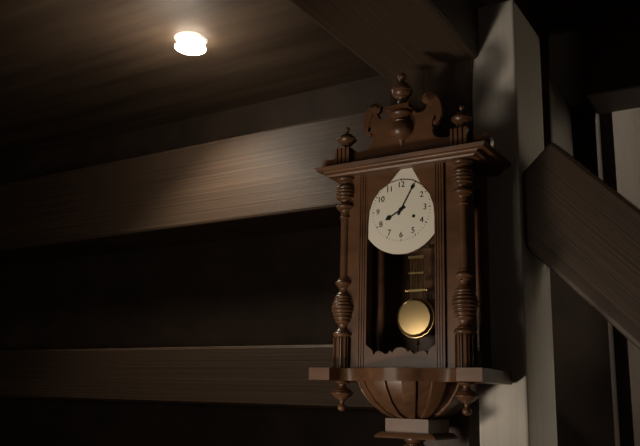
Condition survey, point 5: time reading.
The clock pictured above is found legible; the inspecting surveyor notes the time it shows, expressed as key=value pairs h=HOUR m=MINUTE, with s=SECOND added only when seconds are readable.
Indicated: h=8 m=5
